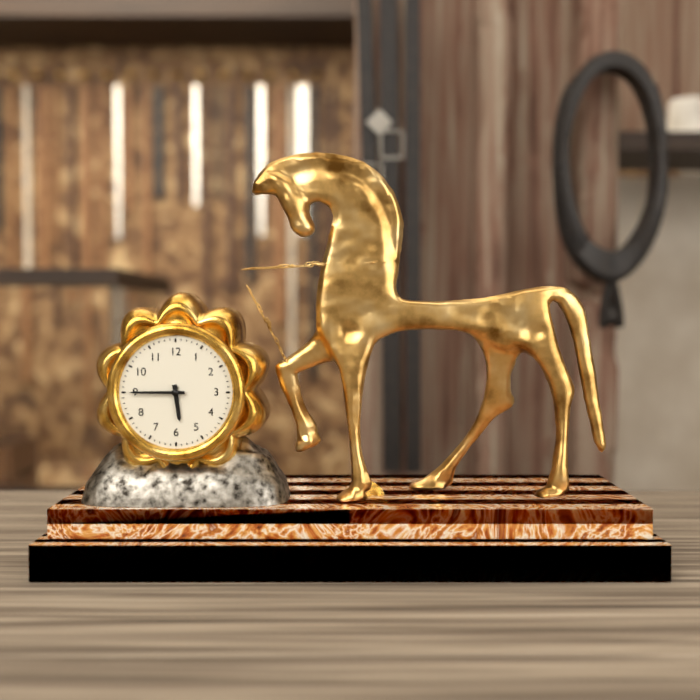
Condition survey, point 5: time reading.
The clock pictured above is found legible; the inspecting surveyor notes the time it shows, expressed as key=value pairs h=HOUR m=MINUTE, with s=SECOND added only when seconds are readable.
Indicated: h=5 m=45
